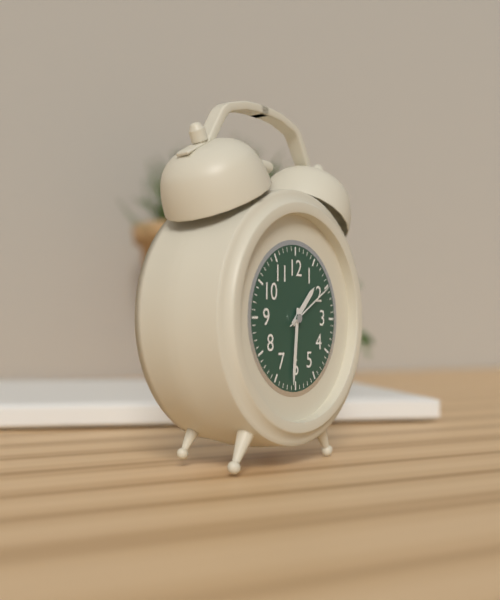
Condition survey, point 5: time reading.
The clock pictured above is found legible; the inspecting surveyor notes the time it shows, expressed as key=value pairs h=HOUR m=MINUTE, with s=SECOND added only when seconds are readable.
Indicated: h=1 m=31 s=10
